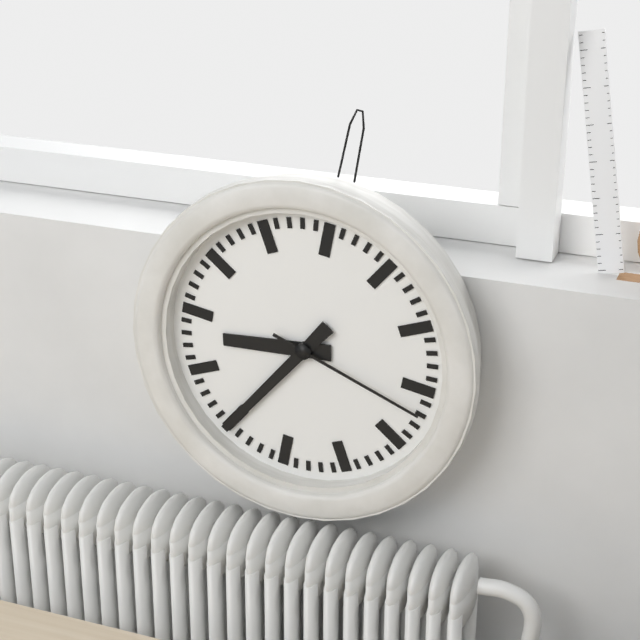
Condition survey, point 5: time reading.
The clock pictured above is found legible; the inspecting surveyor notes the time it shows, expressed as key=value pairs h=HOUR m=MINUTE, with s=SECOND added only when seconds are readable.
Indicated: h=8 m=35 s=17
